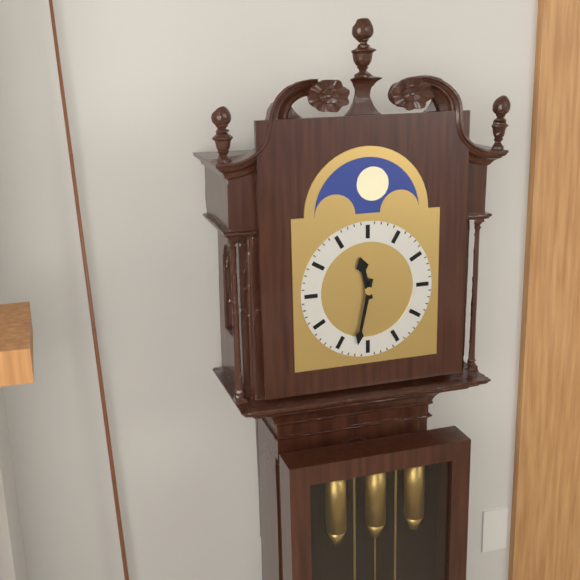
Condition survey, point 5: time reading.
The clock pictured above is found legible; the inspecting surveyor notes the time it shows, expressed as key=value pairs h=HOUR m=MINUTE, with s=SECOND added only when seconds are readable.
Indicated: h=11 m=32
